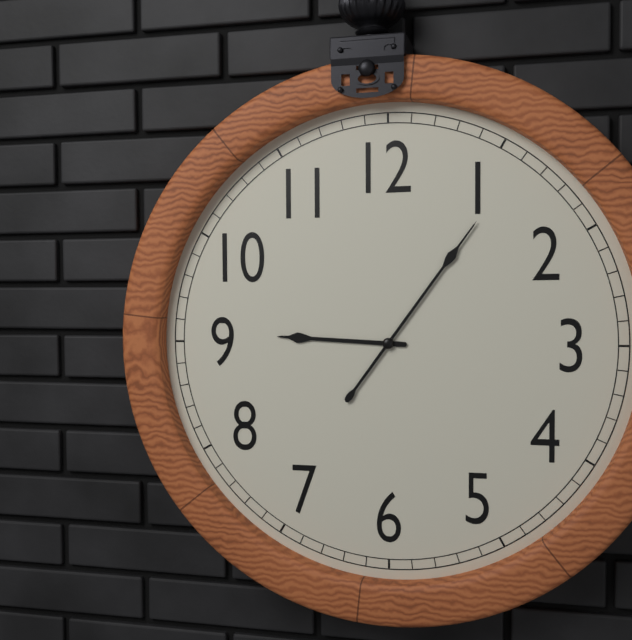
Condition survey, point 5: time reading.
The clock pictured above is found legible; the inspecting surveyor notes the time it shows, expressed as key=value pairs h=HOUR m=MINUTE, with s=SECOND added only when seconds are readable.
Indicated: h=9 m=6
